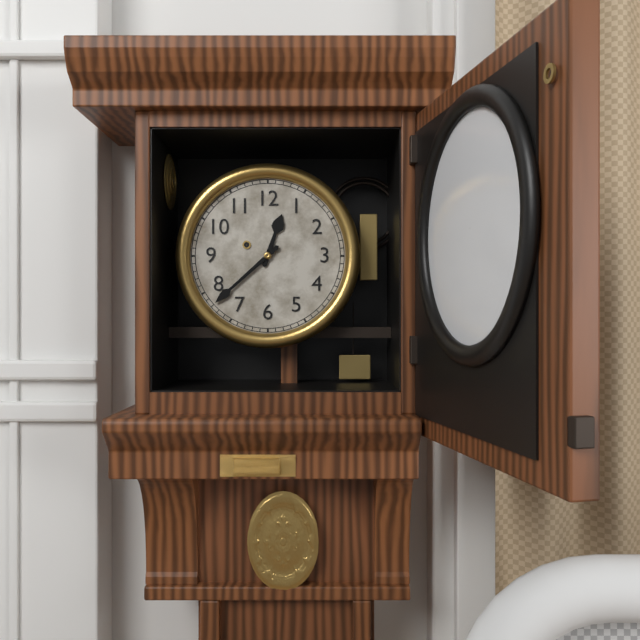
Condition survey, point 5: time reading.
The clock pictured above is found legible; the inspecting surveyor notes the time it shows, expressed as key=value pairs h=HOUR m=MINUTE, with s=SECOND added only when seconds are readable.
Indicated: h=12 m=38
